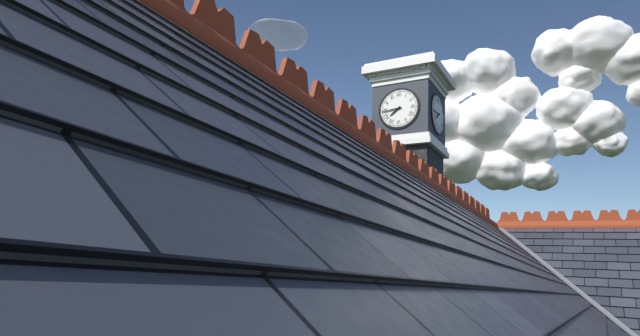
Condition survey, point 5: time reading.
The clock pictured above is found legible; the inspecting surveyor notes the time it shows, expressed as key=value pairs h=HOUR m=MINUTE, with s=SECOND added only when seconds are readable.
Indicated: h=7 m=44
